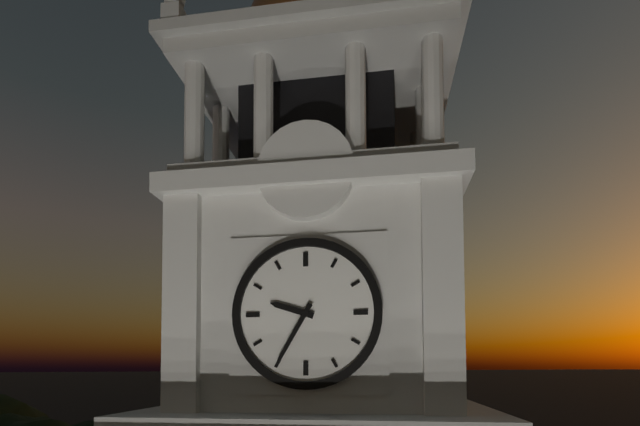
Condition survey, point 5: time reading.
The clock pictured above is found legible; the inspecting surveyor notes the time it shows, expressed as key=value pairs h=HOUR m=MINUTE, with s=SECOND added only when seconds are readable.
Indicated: h=9 m=35
